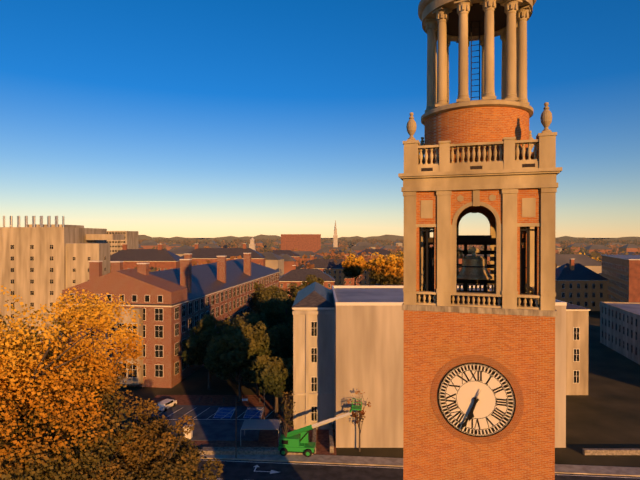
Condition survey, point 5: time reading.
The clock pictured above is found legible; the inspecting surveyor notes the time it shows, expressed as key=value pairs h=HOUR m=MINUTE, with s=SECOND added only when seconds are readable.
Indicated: h=6 m=34
